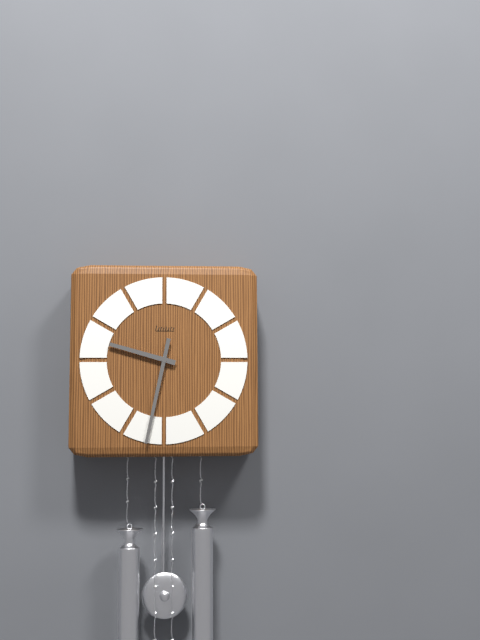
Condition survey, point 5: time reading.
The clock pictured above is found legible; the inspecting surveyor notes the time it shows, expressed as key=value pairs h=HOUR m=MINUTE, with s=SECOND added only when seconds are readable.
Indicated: h=9 m=32
